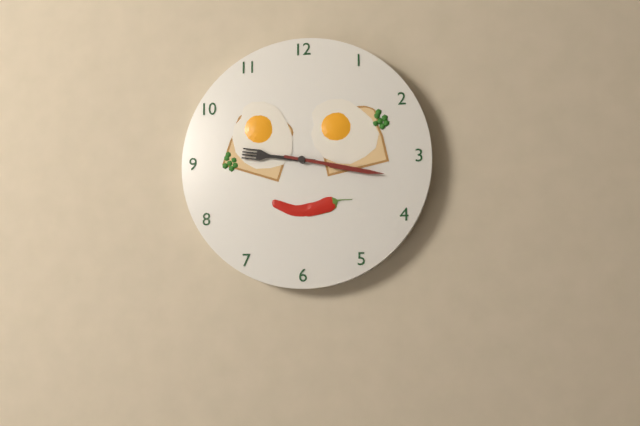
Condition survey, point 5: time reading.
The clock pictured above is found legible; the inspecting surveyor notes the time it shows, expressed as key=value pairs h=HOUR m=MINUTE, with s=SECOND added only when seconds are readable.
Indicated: h=9 m=17
